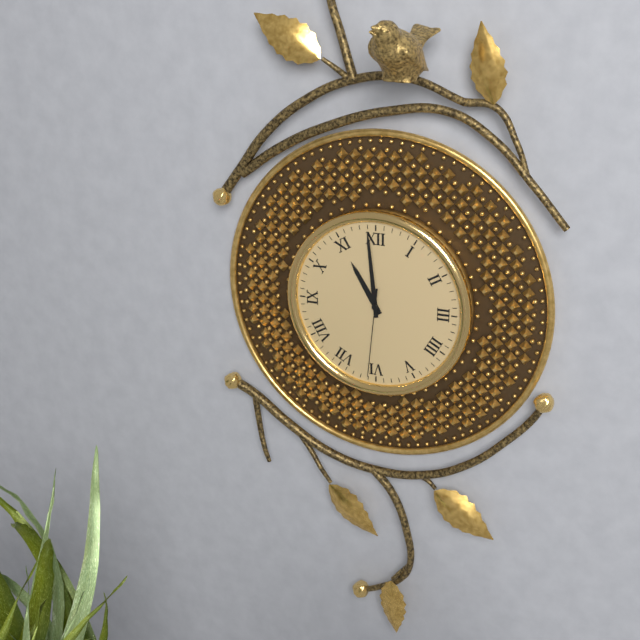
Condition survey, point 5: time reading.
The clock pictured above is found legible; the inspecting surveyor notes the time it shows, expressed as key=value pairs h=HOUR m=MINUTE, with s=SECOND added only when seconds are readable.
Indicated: h=10 m=59 s=31
